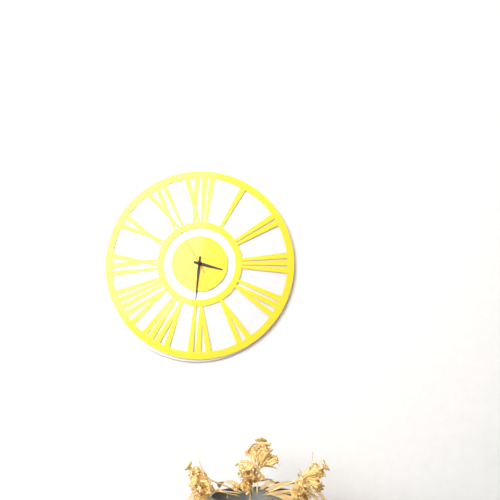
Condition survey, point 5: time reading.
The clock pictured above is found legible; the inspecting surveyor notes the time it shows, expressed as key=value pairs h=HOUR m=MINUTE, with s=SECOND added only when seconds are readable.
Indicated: h=3 m=31
